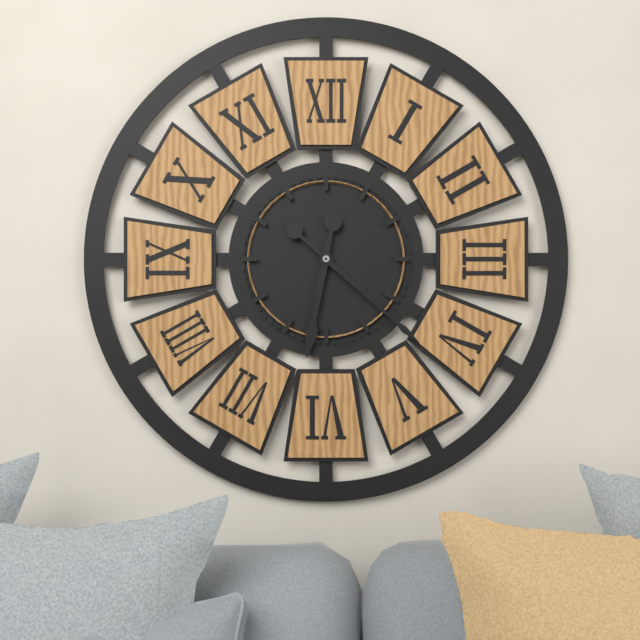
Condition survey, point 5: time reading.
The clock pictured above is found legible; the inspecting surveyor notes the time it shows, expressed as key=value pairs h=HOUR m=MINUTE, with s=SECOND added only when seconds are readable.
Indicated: h=6 m=22
